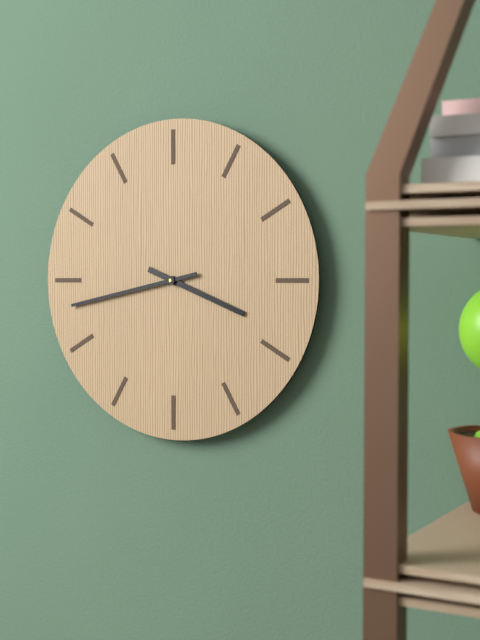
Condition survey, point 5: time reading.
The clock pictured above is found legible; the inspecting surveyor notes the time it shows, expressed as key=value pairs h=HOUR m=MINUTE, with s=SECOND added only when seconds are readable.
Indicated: h=3 m=43
